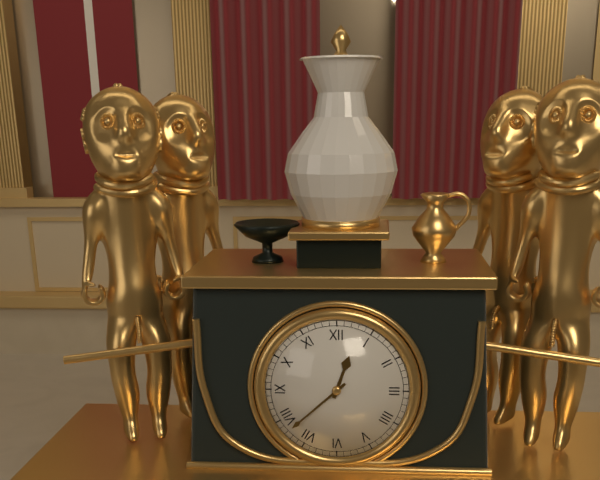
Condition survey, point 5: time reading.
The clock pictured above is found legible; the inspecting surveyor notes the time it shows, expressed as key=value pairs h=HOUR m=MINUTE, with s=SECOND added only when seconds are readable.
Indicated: h=12 m=38
